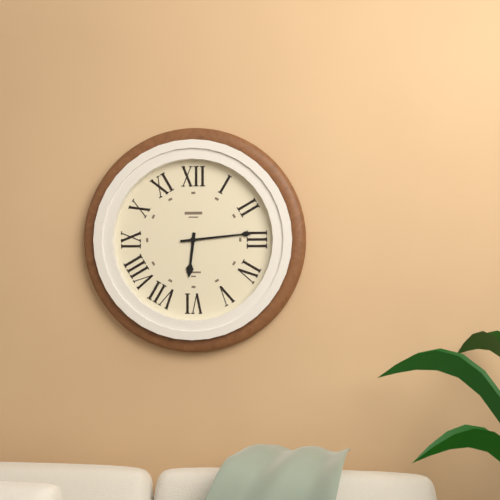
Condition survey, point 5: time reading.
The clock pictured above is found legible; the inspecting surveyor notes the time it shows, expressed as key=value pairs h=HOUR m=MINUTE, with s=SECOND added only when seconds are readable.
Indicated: h=6 m=14
